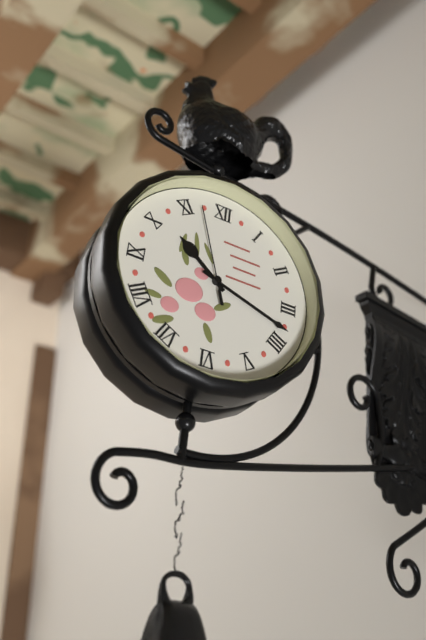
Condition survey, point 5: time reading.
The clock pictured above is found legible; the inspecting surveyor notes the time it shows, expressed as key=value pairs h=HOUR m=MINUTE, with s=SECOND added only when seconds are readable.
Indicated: h=10 m=18 s=57
